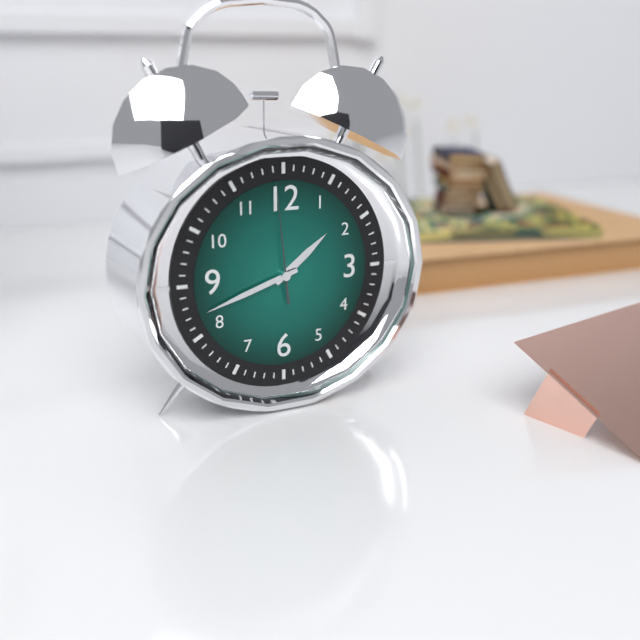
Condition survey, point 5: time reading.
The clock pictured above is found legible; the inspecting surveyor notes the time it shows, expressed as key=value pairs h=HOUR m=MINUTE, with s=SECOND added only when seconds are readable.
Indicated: h=1 m=42 s=59
